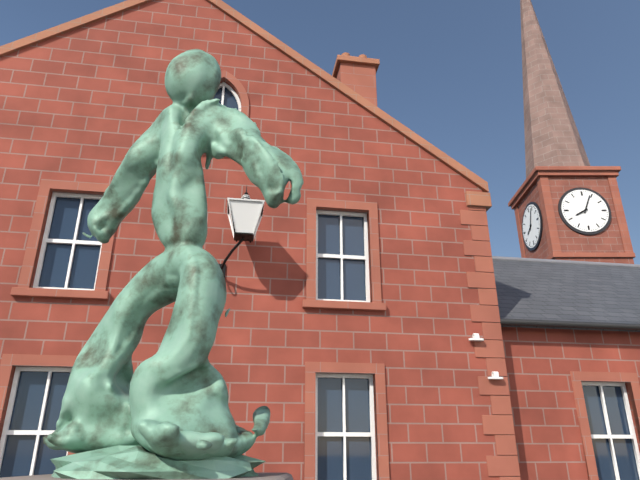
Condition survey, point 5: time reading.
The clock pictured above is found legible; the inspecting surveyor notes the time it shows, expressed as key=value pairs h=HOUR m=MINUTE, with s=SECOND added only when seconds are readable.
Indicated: h=8 m=4
